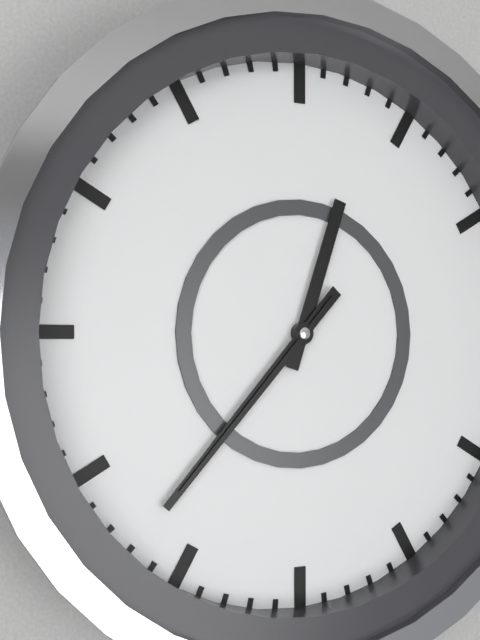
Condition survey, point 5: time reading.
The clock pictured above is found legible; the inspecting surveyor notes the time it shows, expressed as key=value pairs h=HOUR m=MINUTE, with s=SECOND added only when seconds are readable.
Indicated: h=12 m=37 s=37
